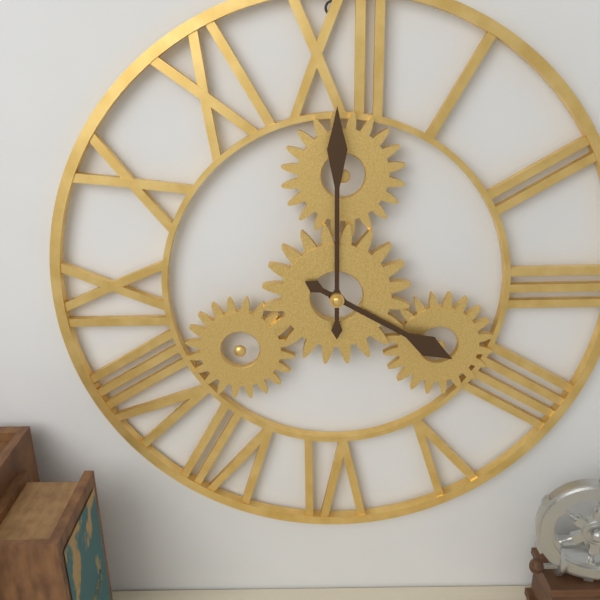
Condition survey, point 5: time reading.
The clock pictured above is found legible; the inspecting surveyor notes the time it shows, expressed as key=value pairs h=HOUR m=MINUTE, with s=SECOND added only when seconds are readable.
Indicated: h=4 m=0
